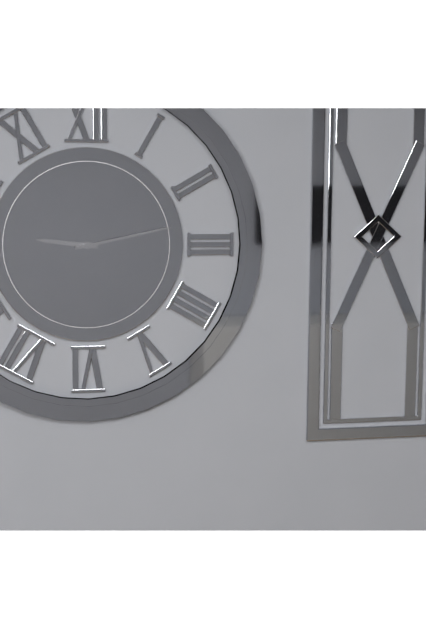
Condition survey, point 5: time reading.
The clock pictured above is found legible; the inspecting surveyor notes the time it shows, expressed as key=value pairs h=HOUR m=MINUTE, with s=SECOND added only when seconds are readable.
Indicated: h=9 m=13
